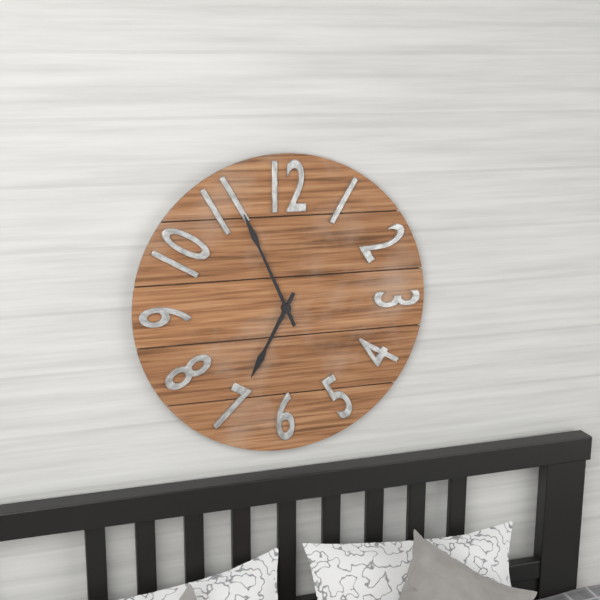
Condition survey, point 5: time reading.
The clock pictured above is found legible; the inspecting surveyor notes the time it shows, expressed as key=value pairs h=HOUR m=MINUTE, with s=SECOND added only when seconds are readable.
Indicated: h=6 m=56
